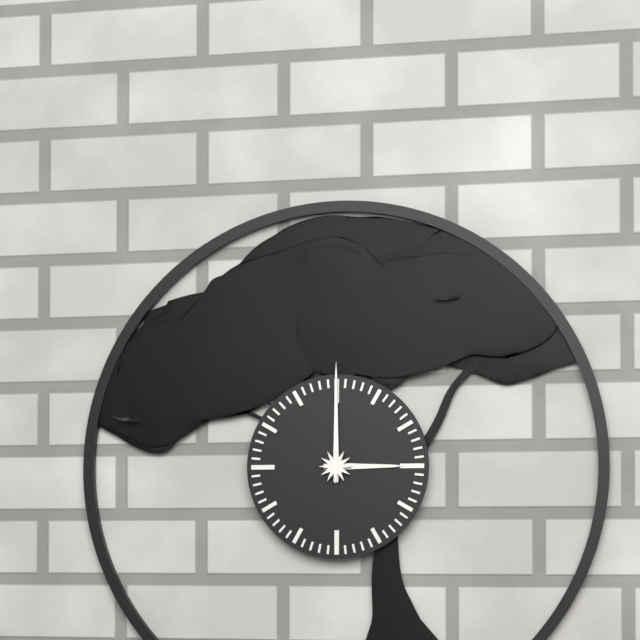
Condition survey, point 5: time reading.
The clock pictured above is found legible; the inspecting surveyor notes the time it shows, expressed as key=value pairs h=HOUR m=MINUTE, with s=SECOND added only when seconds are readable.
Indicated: h=3 m=0
